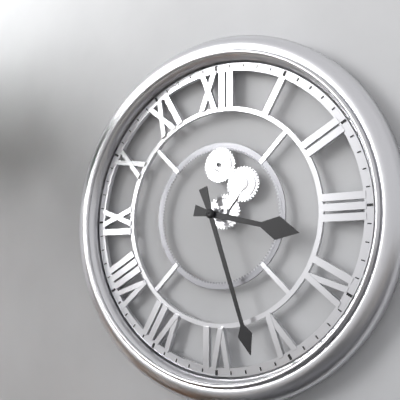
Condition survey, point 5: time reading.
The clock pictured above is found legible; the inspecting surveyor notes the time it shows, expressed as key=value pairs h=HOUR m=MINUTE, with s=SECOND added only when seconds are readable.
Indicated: h=3 m=27
